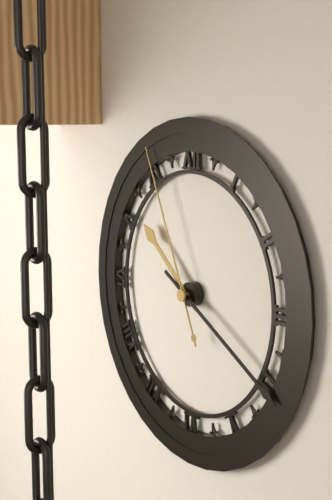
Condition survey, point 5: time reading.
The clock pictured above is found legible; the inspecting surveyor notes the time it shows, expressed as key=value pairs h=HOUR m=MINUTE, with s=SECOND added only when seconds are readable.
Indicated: h=10 m=20 s=56
